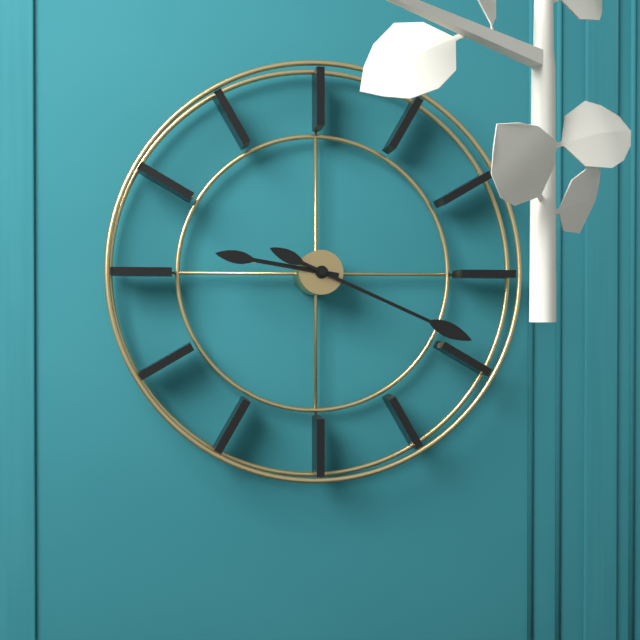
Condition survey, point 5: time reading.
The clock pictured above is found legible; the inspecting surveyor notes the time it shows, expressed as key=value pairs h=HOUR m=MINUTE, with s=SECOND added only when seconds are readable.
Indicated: h=9 m=19
